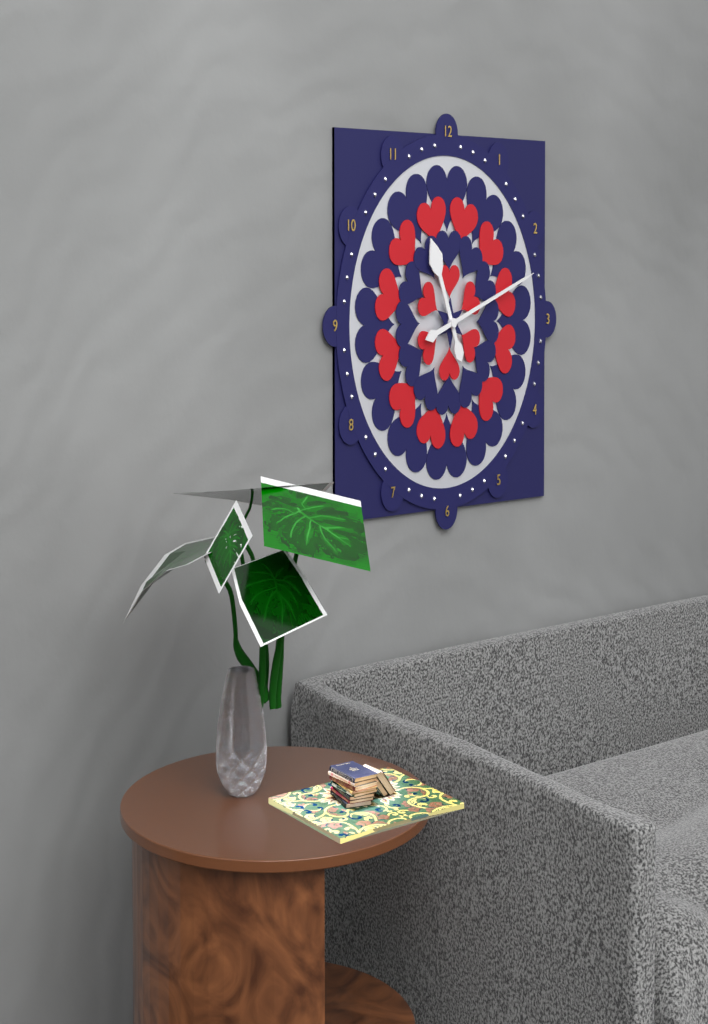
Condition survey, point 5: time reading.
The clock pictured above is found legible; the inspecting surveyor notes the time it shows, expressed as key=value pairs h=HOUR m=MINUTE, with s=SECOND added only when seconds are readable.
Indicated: h=11 m=12
